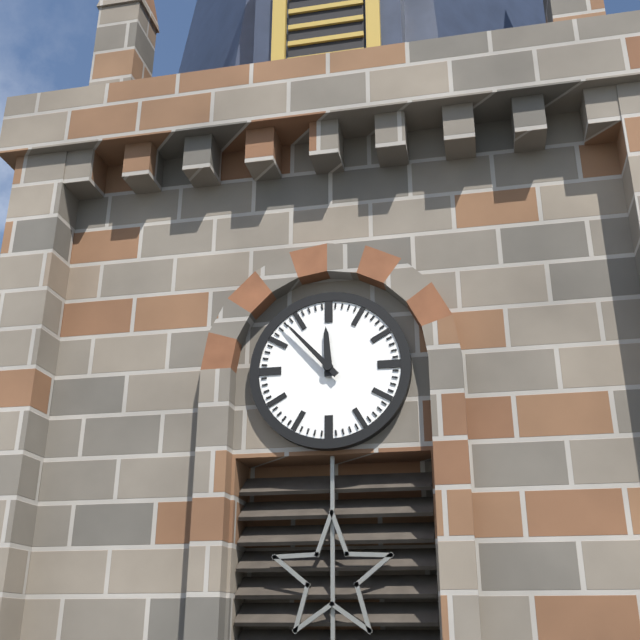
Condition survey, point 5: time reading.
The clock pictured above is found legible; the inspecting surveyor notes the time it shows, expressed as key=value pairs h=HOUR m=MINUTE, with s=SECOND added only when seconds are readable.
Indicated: h=11 m=53
